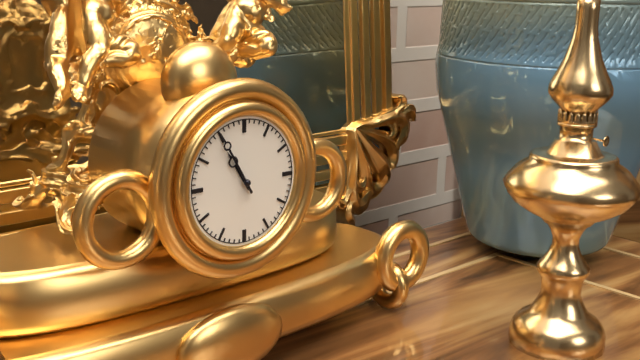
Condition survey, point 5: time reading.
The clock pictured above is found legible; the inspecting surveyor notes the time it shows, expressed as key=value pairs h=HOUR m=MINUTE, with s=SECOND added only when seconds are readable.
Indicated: h=10 m=55
